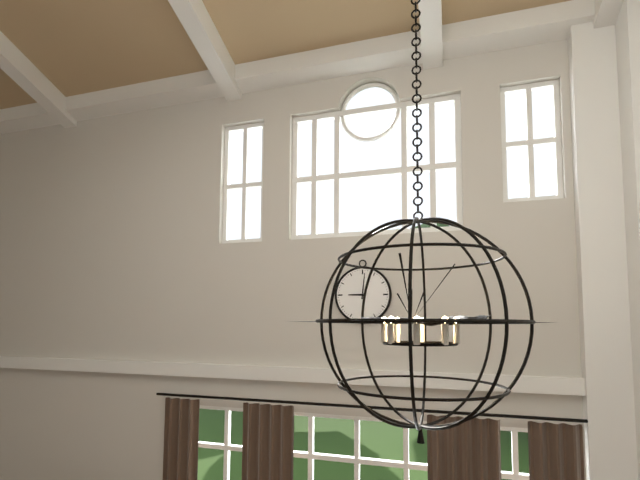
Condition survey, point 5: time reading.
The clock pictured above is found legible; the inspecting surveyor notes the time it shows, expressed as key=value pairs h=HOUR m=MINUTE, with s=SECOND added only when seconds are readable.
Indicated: h=9 m=1
